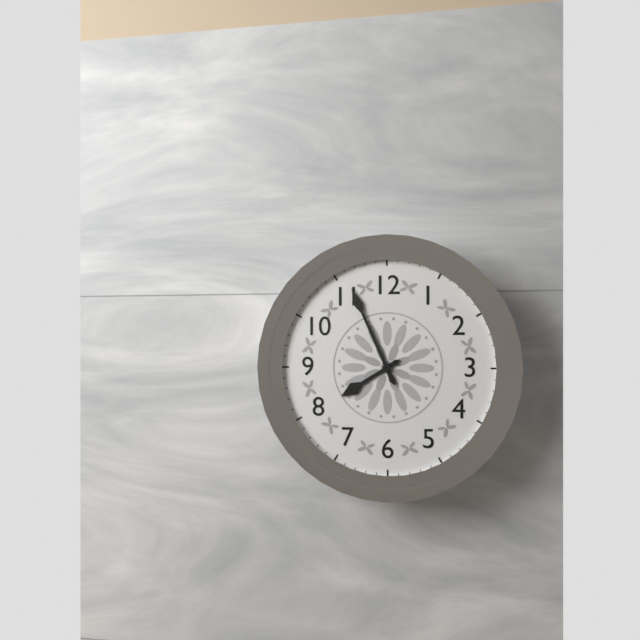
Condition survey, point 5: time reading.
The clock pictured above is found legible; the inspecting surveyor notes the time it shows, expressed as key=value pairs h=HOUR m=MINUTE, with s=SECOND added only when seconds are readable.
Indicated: h=7 m=56
